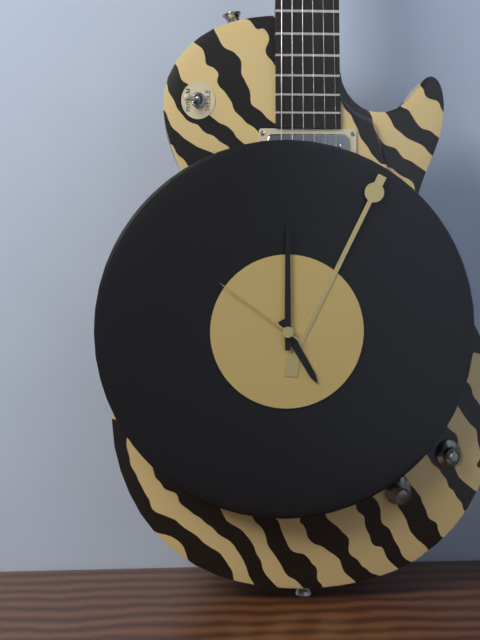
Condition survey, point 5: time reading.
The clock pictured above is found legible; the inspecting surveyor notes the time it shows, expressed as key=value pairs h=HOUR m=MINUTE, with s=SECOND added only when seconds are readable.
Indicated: h=5 m=0 s=51
